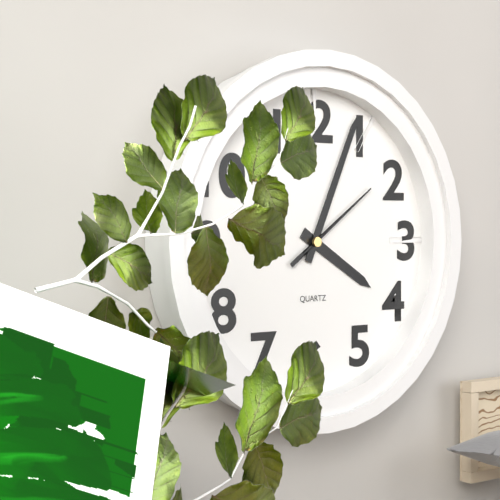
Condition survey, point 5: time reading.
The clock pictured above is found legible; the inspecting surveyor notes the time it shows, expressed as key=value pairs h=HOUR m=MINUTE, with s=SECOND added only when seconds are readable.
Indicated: h=4 m=4 s=9
